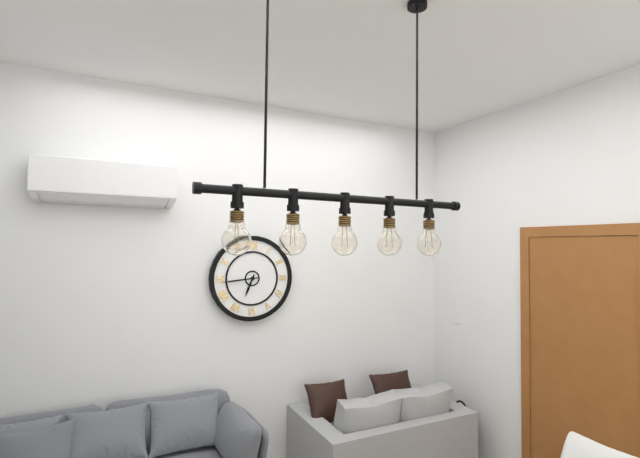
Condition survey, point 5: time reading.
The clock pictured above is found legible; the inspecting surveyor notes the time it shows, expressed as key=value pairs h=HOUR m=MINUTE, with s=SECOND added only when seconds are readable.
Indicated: h=6 m=44
